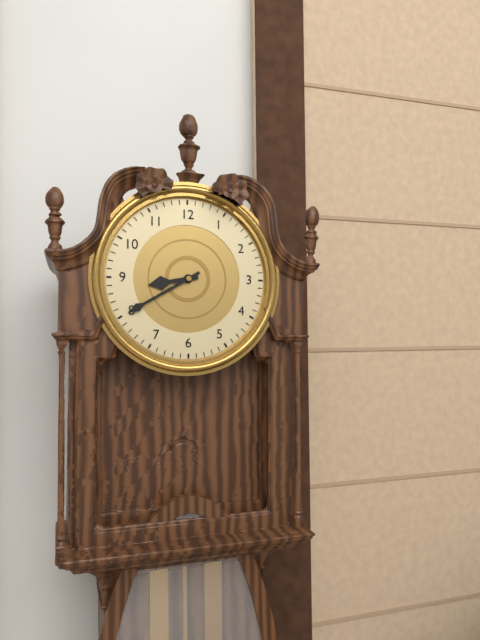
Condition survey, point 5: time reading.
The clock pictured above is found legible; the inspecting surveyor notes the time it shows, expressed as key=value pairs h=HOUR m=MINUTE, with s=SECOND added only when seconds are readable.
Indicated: h=8 m=40
